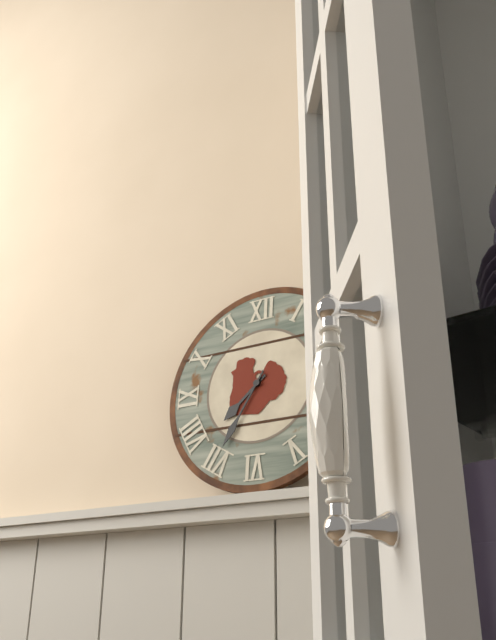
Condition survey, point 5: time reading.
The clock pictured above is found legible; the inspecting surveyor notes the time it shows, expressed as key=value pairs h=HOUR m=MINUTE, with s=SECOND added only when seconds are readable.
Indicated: h=7 m=35
